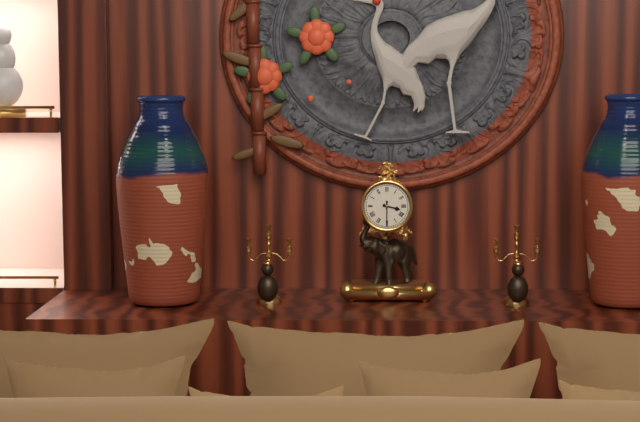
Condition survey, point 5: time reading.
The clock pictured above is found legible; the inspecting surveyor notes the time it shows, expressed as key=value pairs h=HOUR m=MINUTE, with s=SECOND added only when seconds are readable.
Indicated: h=3 m=30
